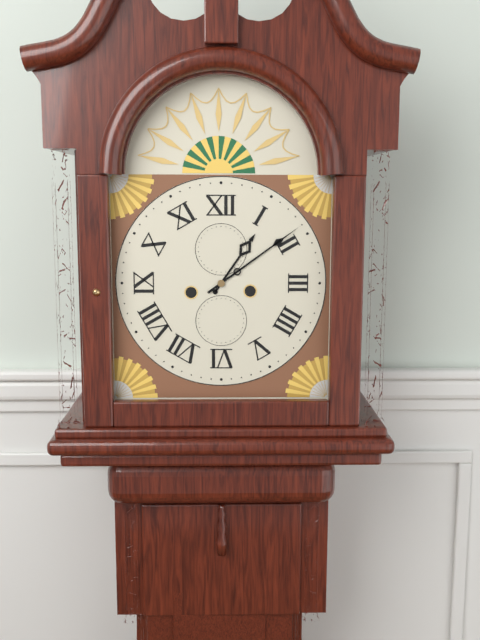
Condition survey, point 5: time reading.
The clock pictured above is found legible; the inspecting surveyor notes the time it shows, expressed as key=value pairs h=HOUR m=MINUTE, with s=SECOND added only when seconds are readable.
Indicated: h=1 m=9
